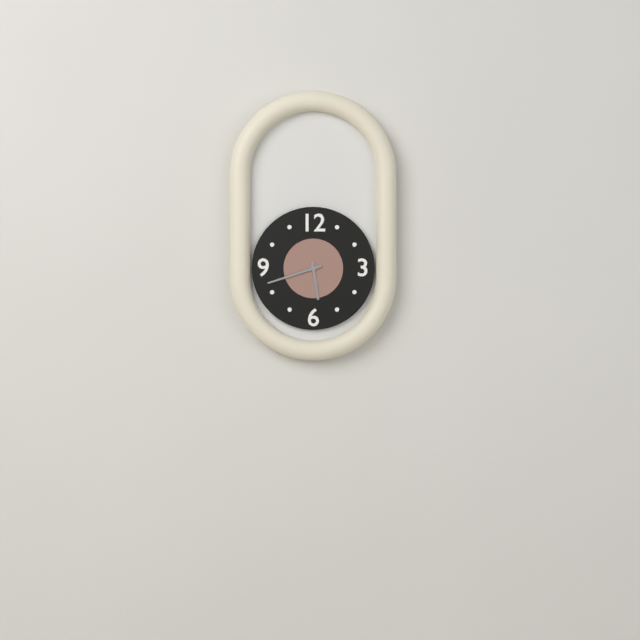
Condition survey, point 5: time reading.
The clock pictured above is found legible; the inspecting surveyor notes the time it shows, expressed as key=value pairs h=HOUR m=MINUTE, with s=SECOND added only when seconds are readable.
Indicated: h=5 m=42
